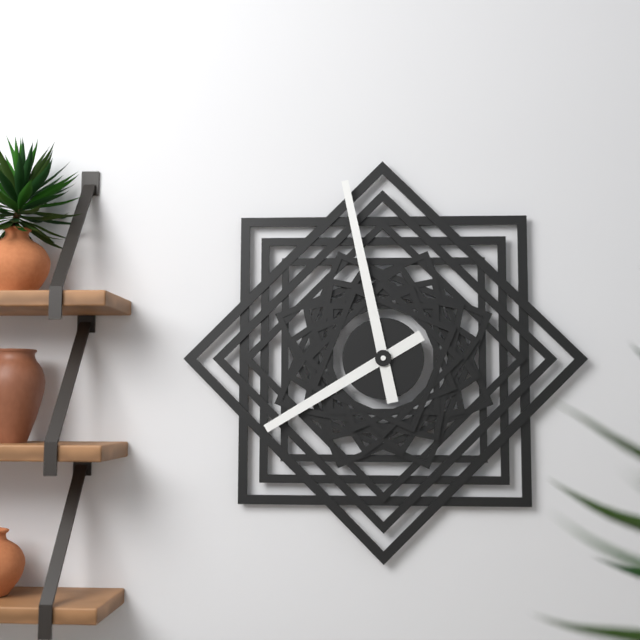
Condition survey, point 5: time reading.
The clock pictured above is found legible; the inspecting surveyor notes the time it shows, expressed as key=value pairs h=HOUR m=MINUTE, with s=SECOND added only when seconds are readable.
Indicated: h=7 m=58
